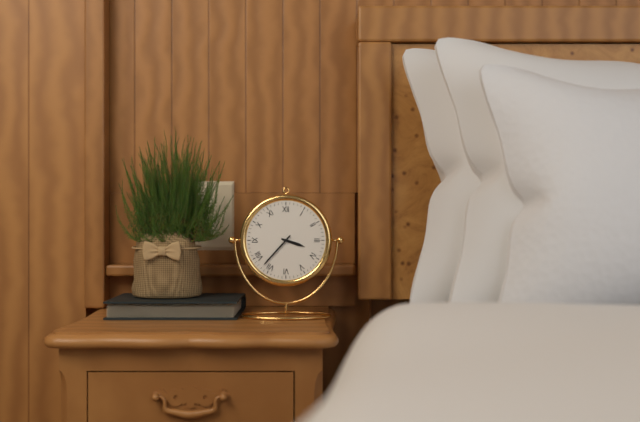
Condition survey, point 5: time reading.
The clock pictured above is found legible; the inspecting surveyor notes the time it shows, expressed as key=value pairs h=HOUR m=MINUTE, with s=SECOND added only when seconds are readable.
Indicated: h=3 m=37
